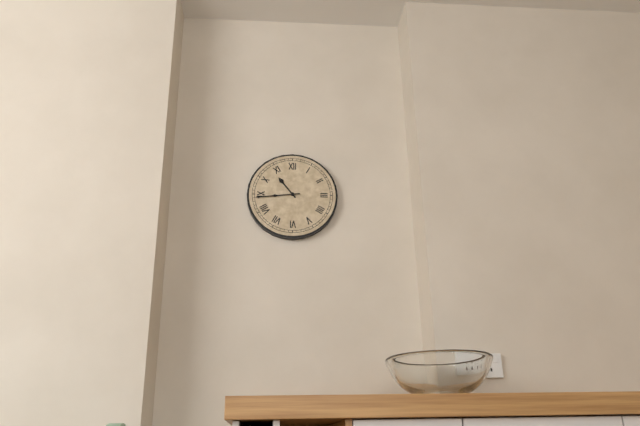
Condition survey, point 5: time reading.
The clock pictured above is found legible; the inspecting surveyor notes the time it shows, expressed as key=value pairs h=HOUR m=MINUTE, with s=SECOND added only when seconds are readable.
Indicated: h=10 m=44
